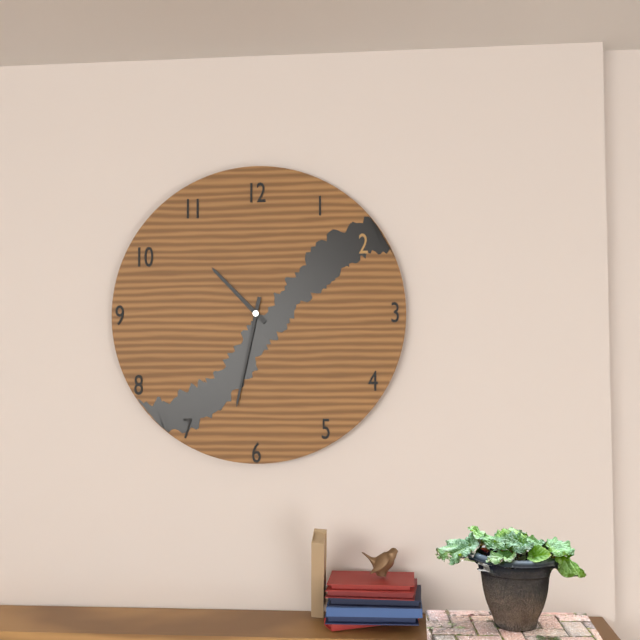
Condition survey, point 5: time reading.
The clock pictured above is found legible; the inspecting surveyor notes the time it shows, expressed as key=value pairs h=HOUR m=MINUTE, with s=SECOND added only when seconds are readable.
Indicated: h=10 m=32
